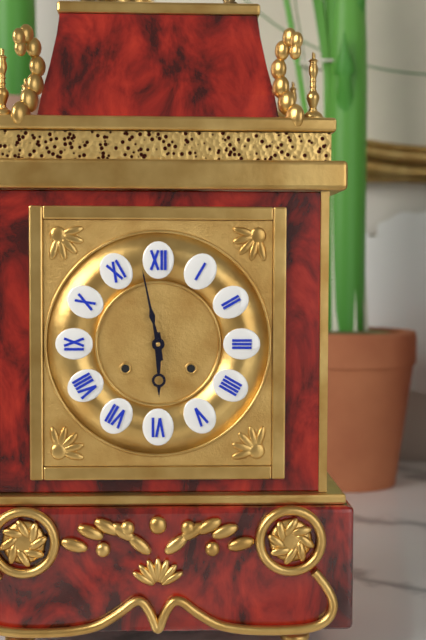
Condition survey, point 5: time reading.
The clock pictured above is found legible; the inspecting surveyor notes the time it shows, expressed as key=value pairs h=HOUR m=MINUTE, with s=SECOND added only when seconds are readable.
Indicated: h=5 m=58
